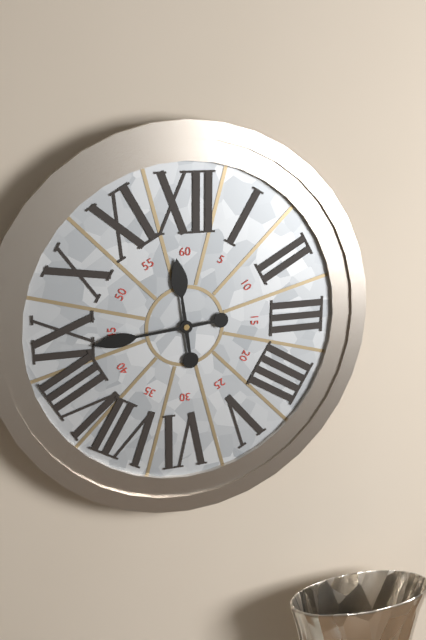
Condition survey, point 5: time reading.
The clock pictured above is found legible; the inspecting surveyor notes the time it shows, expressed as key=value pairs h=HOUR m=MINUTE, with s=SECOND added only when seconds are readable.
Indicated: h=11 m=44
